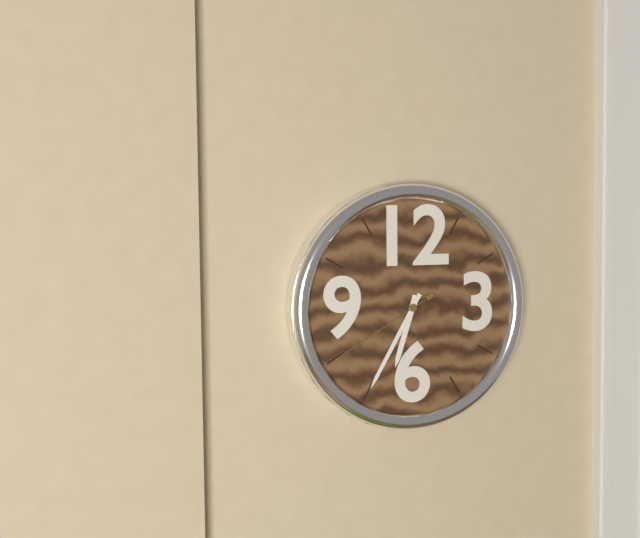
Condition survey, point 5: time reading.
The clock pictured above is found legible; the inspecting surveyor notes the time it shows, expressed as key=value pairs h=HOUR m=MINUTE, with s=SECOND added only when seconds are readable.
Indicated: h=6 m=35 s=40
